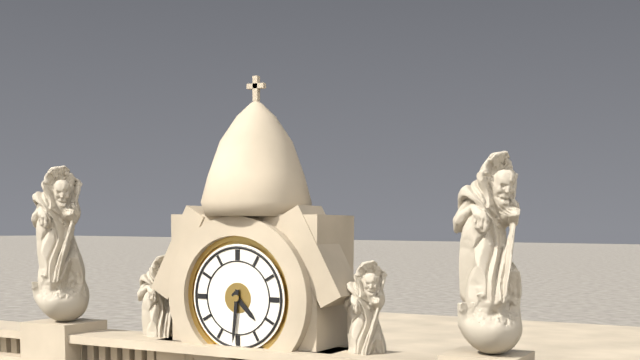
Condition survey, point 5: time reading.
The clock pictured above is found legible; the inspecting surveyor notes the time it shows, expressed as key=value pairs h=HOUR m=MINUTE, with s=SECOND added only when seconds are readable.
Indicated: h=4 m=31
